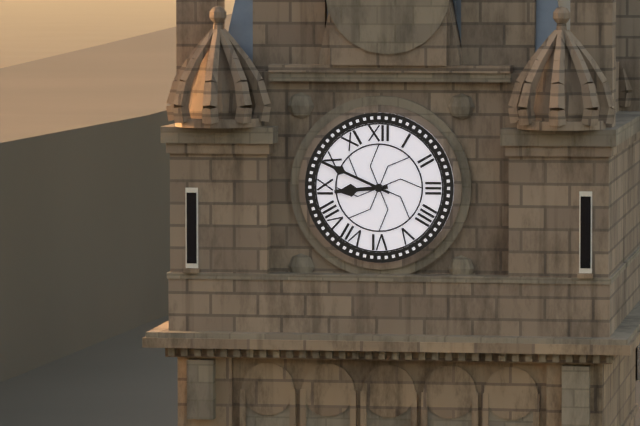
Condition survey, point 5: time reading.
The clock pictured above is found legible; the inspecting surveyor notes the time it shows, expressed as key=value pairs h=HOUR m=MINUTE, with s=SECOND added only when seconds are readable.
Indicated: h=8 m=49
